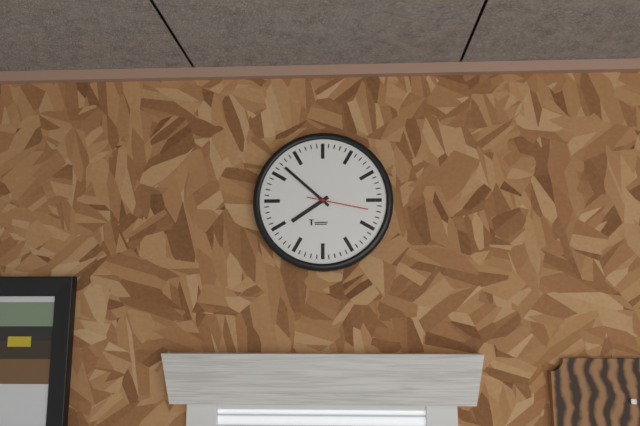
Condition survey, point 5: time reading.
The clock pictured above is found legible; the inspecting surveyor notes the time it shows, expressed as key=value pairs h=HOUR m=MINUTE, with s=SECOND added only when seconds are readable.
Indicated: h=7 m=52 s=17
